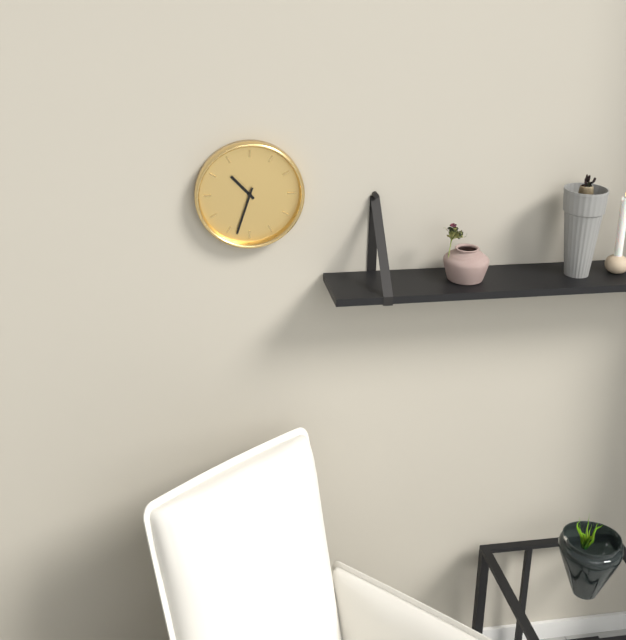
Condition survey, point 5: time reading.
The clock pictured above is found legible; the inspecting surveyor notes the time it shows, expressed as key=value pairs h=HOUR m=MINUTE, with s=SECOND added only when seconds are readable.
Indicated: h=10 m=33
